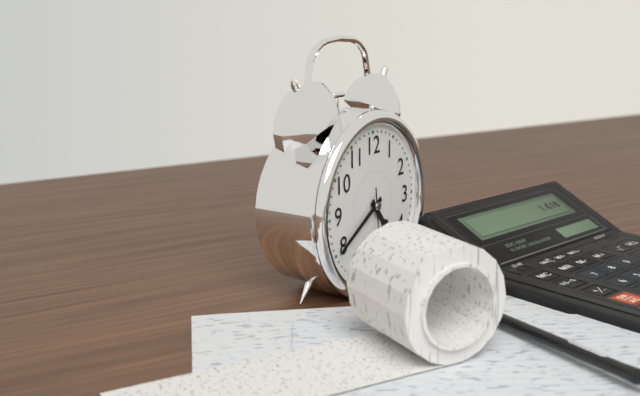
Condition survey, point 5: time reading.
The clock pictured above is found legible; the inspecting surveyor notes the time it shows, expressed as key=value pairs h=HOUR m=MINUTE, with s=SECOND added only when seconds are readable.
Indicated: h=4 m=40
